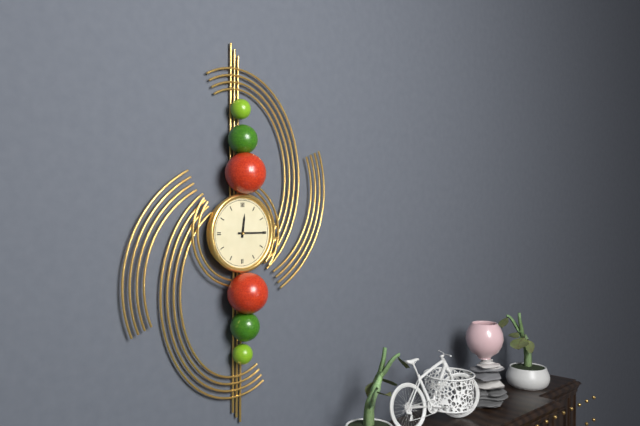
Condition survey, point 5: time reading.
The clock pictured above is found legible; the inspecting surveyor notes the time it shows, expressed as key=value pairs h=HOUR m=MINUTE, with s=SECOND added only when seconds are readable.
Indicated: h=12 m=15
